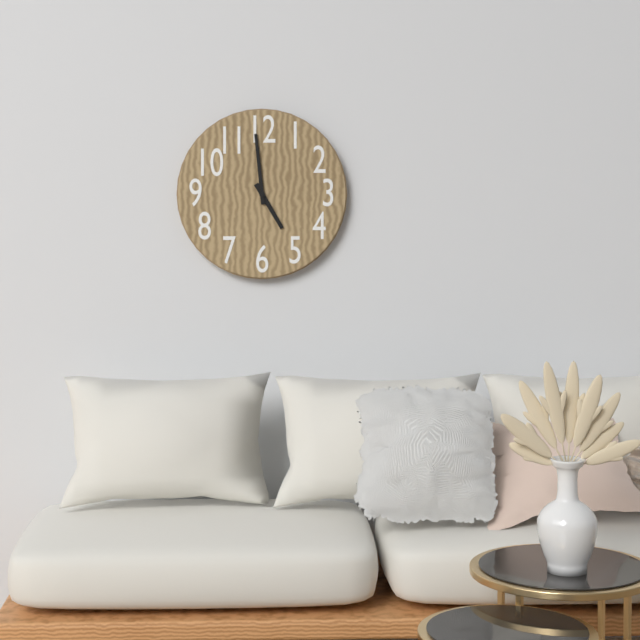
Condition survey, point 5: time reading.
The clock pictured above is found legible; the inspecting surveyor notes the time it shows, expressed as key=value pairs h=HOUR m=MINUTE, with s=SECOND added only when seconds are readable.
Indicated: h=4 m=59
